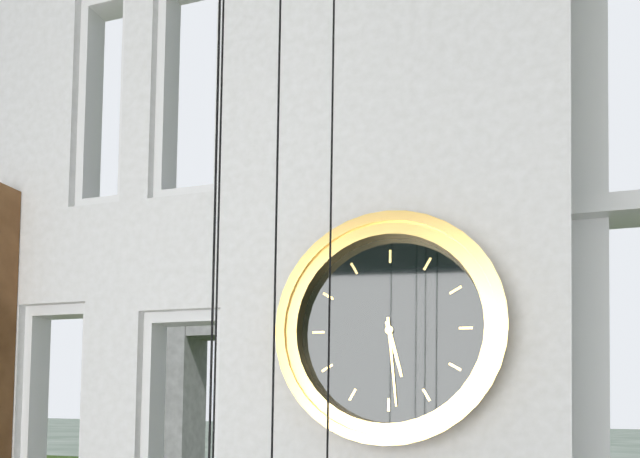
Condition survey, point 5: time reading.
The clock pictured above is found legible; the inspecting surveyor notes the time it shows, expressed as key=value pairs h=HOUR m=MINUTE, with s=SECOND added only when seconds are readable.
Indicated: h=5 m=29
